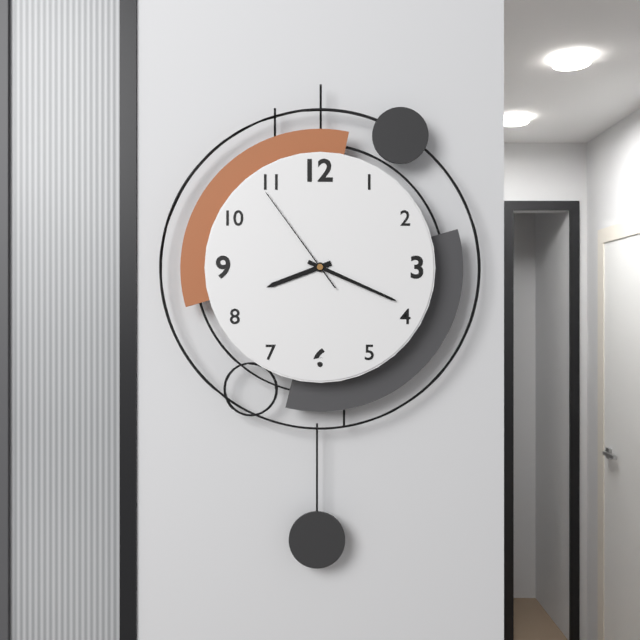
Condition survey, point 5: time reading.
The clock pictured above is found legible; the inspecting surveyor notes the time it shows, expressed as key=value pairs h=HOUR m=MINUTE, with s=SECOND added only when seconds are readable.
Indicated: h=8 m=19 s=54
